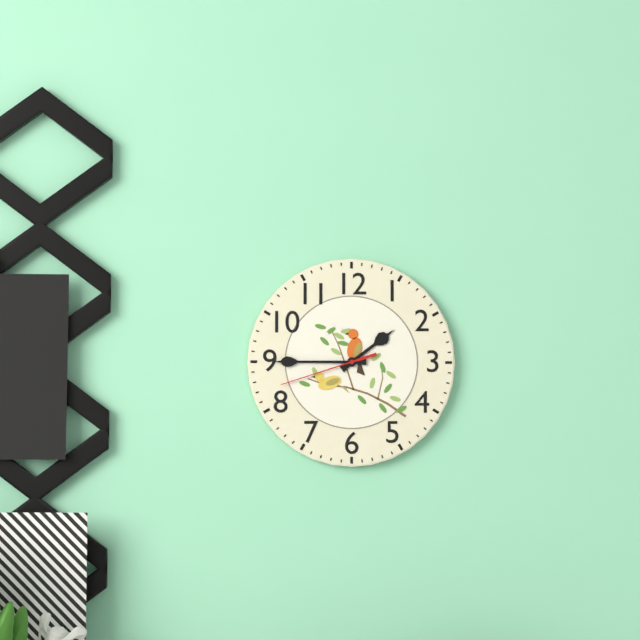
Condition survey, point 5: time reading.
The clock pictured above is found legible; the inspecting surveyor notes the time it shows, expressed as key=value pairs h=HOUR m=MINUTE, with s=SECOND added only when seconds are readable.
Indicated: h=1 m=45 s=42
